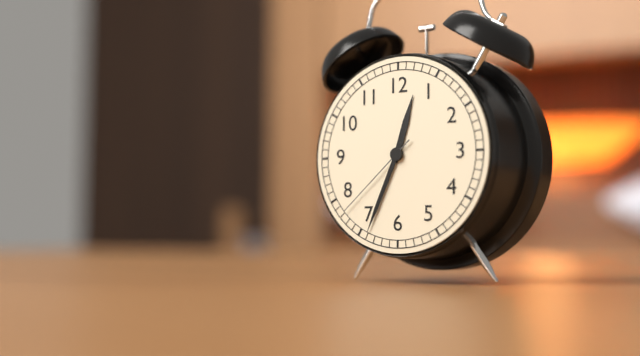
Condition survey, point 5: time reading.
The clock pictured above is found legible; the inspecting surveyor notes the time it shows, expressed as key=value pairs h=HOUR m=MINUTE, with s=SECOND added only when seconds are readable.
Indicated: h=12 m=34 s=38
